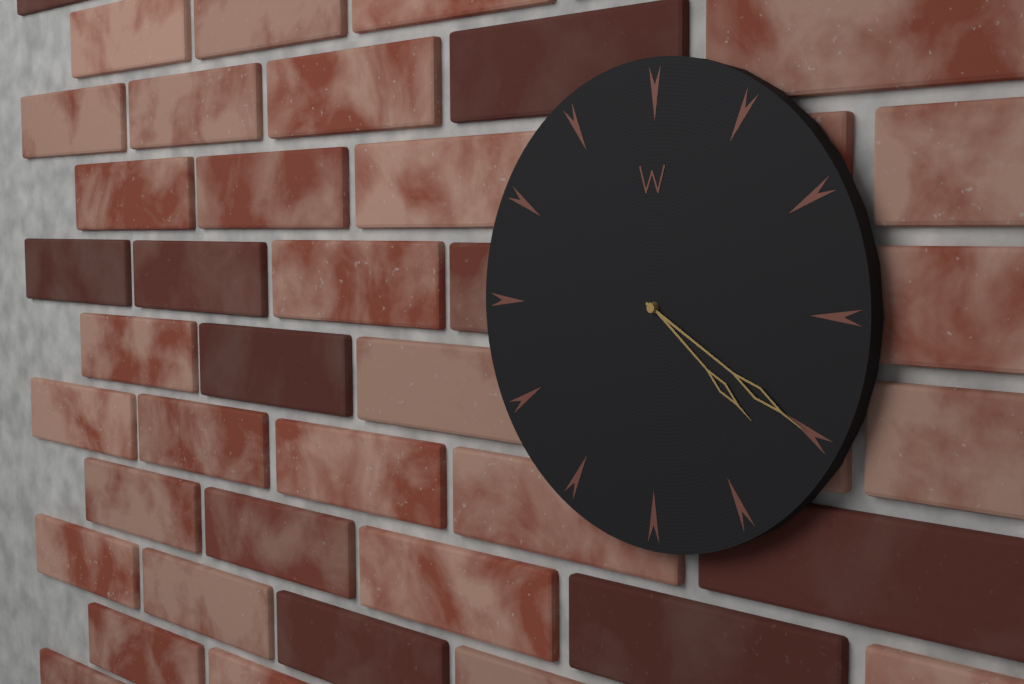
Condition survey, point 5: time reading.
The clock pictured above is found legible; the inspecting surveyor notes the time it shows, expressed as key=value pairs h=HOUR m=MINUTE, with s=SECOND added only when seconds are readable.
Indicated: h=4 m=20
